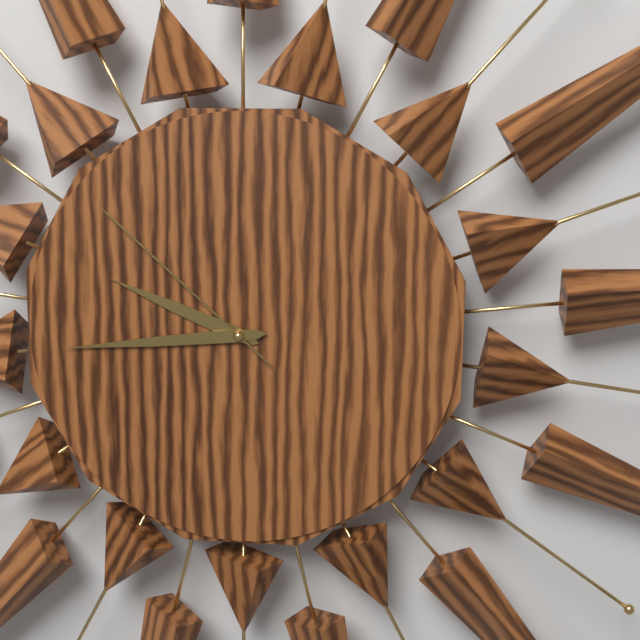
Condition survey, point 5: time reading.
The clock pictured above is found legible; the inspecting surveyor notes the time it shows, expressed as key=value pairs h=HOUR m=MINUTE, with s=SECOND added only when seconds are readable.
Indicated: h=9 m=44 s=52
